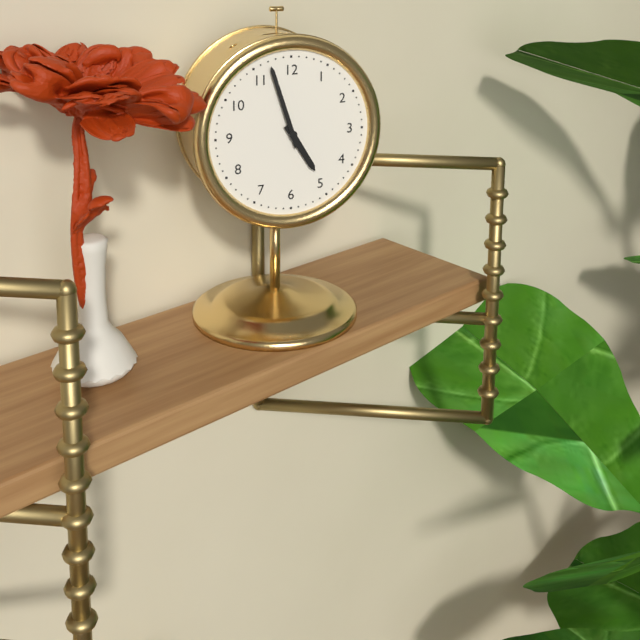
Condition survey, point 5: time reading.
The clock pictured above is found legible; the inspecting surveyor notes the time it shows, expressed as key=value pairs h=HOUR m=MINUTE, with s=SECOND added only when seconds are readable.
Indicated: h=4 m=57
